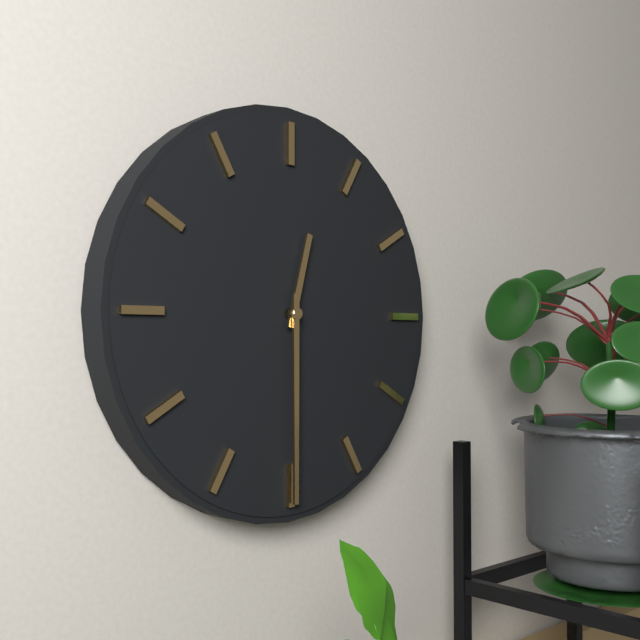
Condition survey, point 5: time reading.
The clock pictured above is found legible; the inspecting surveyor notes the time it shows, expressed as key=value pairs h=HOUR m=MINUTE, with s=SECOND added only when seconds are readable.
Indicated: h=12 m=30
